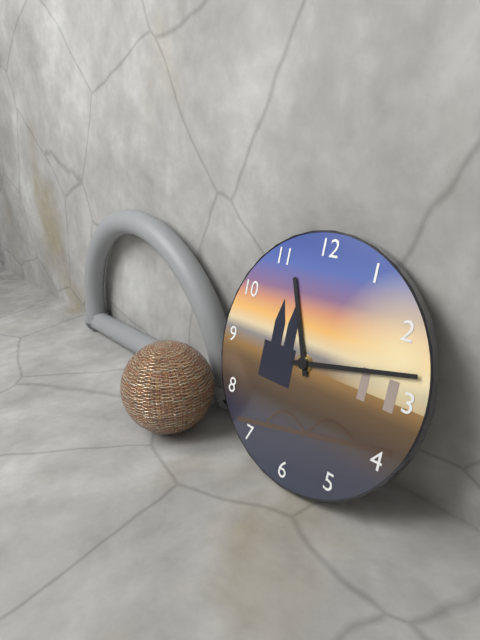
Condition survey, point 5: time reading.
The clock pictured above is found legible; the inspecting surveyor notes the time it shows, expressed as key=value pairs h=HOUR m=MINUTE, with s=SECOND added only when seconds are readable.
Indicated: h=11 m=13
